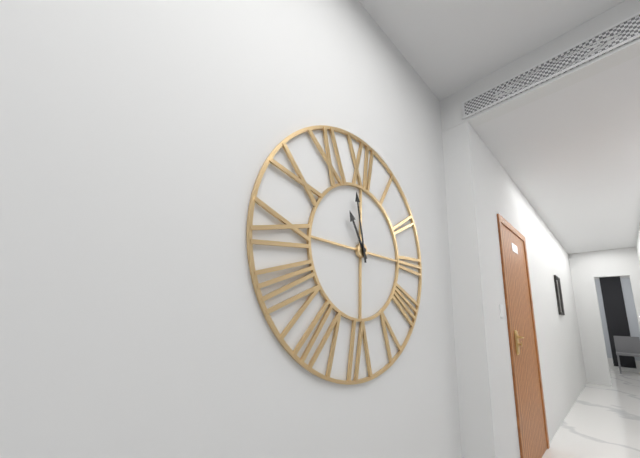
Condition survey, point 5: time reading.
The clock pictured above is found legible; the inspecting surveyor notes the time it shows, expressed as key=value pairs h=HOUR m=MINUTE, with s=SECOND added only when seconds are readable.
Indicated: h=10 m=58
